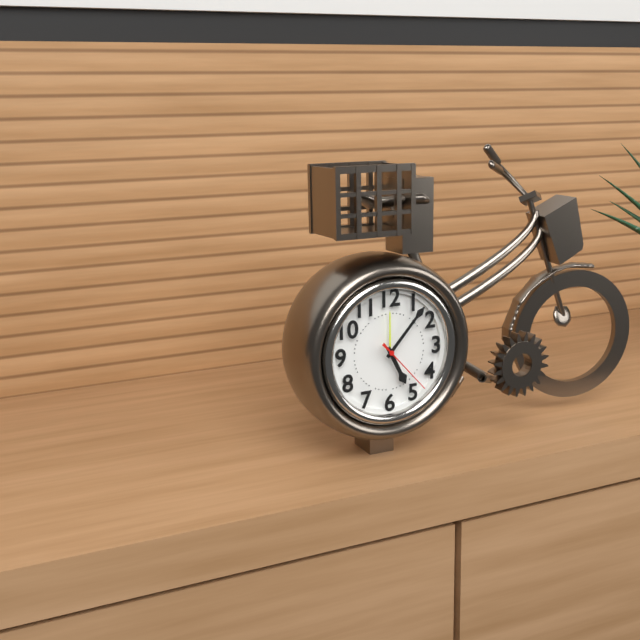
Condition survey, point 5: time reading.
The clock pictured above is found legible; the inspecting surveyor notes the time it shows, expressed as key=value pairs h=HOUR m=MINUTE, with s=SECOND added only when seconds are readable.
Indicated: h=5 m=7 s=23
